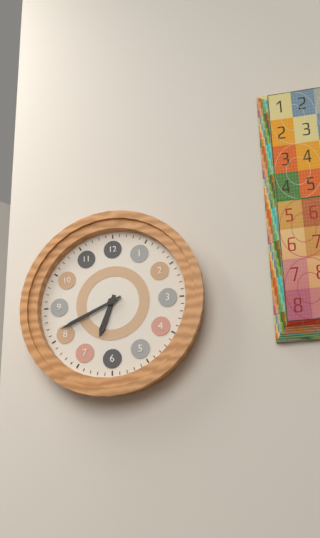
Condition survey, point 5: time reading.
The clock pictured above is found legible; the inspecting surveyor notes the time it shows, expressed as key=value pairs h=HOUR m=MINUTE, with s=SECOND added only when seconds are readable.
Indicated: h=6 m=41
